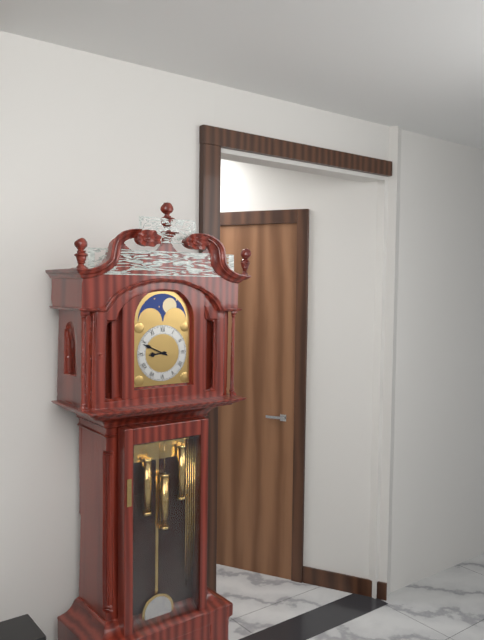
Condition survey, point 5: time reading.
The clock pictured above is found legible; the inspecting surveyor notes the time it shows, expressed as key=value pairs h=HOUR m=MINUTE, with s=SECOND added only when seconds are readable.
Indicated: h=8 m=49
